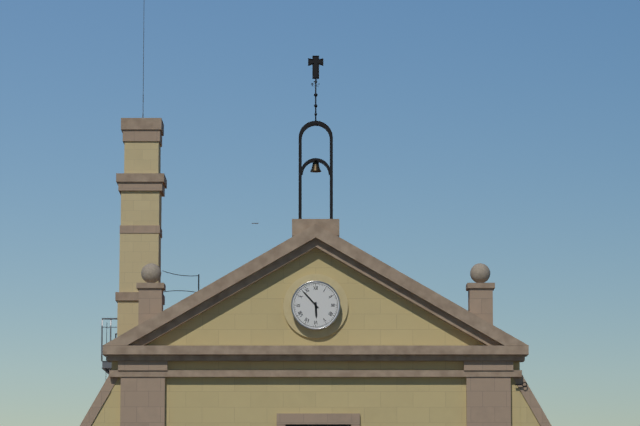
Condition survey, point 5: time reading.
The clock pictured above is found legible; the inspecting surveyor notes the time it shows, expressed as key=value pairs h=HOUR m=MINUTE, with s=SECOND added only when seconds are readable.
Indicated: h=5 m=53
